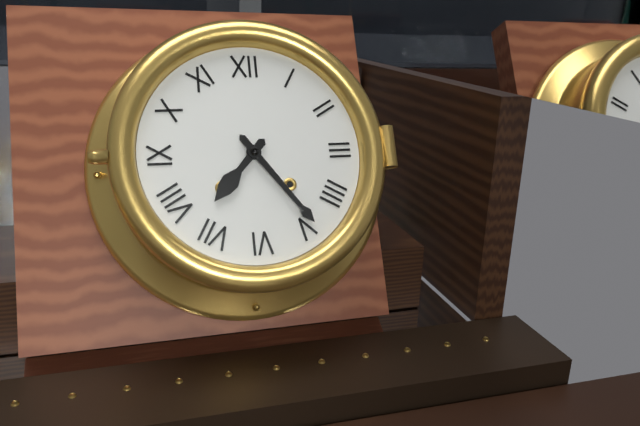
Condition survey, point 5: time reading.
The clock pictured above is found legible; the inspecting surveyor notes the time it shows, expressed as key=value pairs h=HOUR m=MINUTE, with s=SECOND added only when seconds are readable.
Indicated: h=7 m=24
